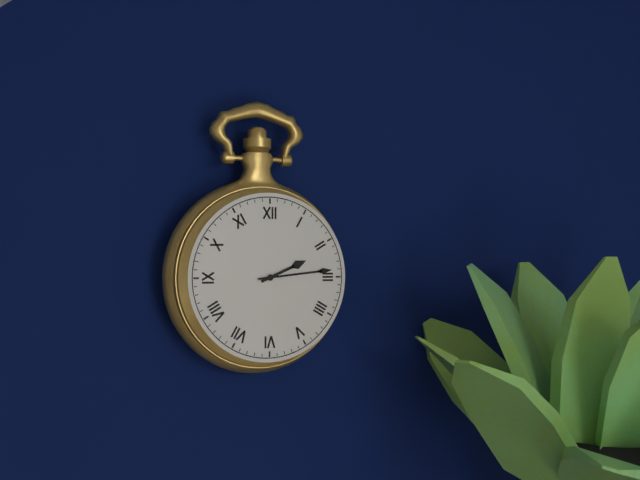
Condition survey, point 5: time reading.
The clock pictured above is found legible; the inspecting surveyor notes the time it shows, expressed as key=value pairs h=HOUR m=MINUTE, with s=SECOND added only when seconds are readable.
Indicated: h=2 m=14
